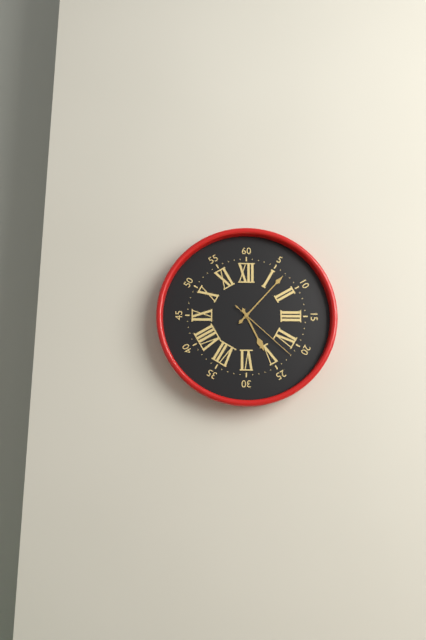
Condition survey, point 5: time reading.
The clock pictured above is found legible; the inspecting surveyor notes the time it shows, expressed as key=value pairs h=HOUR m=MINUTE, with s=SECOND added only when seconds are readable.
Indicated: h=5 m=7 s=22
